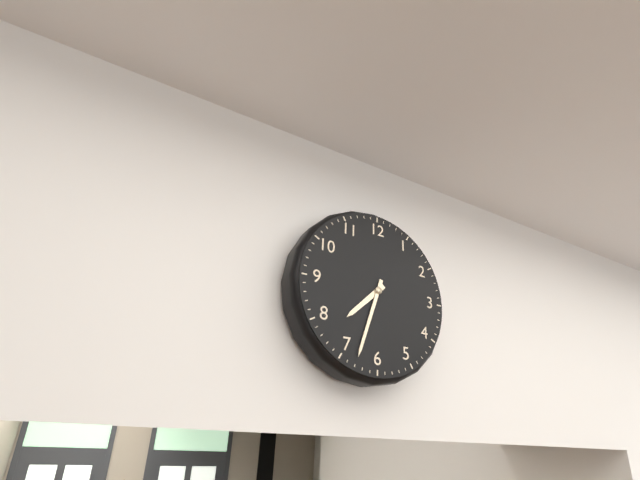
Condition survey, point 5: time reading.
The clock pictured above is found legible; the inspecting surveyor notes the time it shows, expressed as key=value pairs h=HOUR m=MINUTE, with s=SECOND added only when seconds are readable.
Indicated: h=7 m=33
